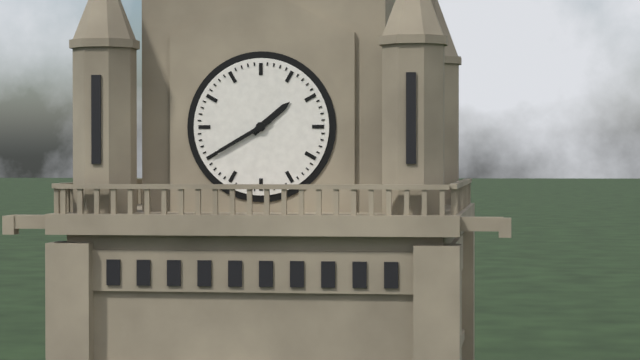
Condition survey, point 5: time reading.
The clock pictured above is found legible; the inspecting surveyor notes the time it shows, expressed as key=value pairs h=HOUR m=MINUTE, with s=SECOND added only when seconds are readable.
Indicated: h=1 m=40
